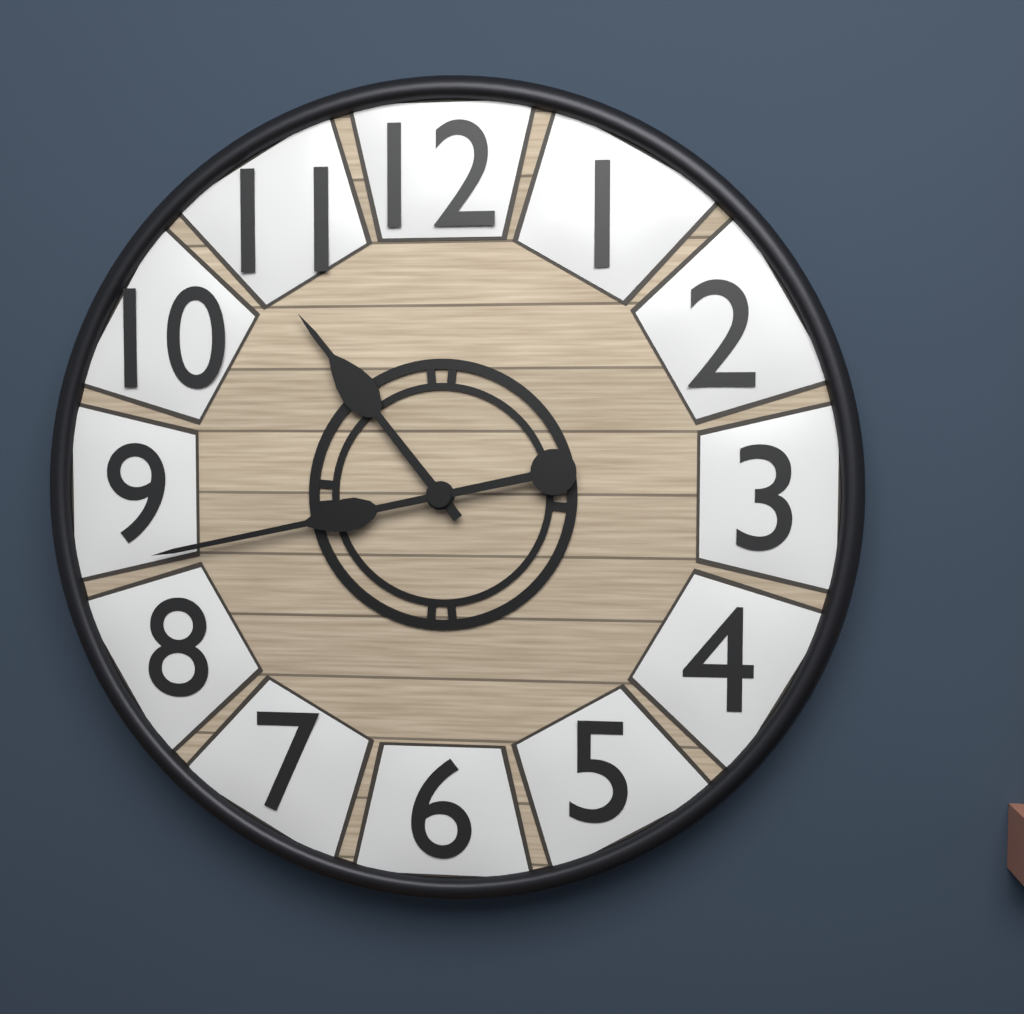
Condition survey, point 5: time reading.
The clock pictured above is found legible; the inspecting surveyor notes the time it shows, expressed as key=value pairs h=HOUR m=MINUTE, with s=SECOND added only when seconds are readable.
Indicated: h=10 m=43
